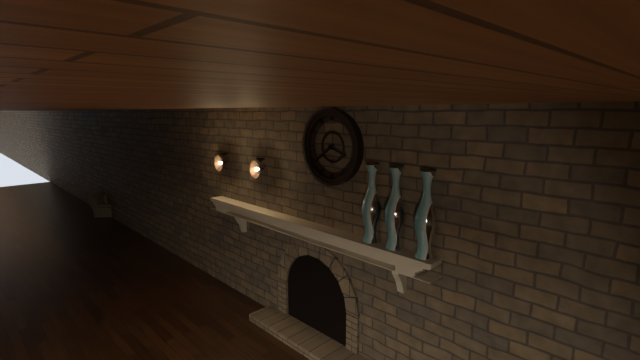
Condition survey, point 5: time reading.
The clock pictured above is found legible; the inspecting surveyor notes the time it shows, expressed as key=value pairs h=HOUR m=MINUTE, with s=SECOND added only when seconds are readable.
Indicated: h=3 m=39
